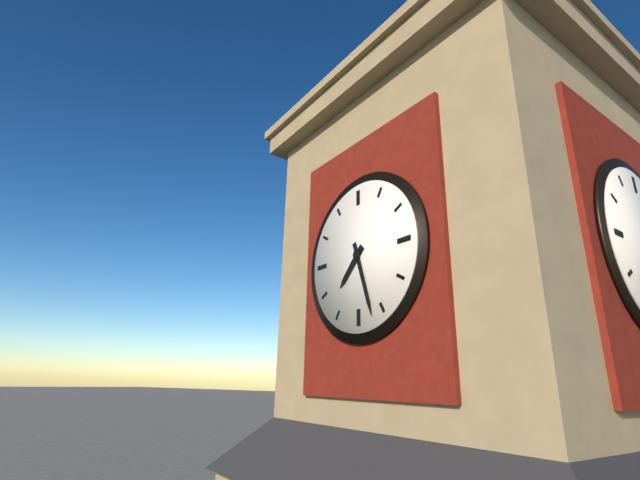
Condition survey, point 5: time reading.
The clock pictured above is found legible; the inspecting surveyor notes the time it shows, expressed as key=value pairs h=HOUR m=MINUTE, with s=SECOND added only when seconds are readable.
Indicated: h=7 m=27
